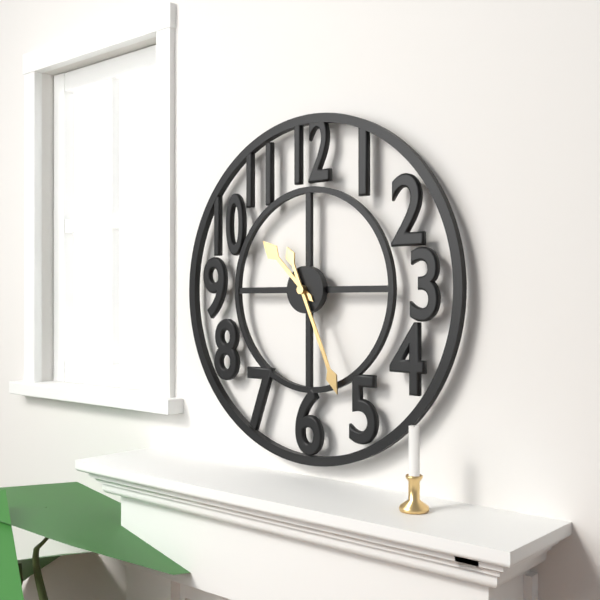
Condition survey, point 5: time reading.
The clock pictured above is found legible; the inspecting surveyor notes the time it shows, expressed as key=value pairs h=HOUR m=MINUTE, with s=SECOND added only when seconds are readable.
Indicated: h=10 m=26
